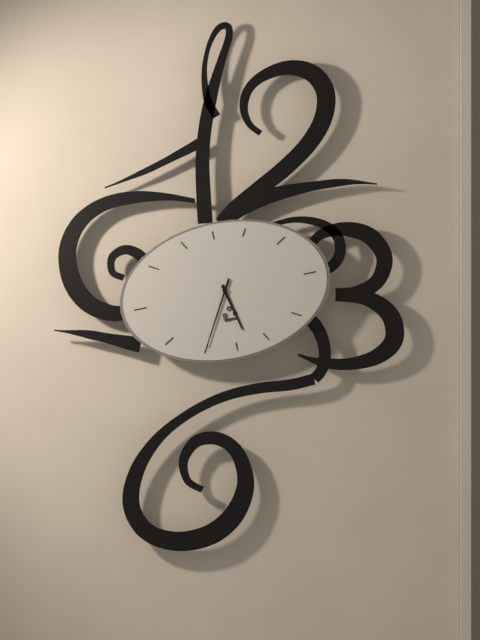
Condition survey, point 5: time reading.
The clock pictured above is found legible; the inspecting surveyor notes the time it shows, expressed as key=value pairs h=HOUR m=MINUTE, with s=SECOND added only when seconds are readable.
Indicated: h=5 m=35
